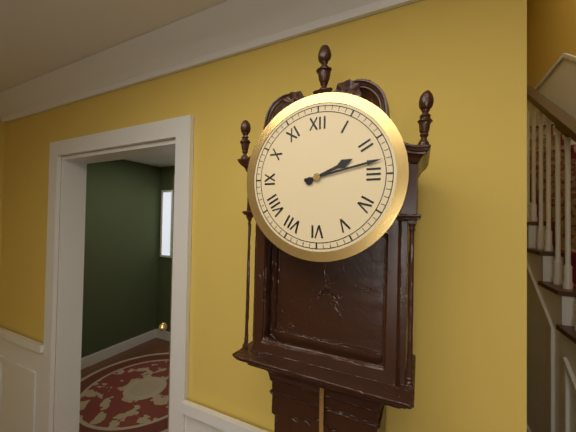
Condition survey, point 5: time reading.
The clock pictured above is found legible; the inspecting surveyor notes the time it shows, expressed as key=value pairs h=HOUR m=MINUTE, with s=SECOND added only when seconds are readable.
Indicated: h=2 m=13
